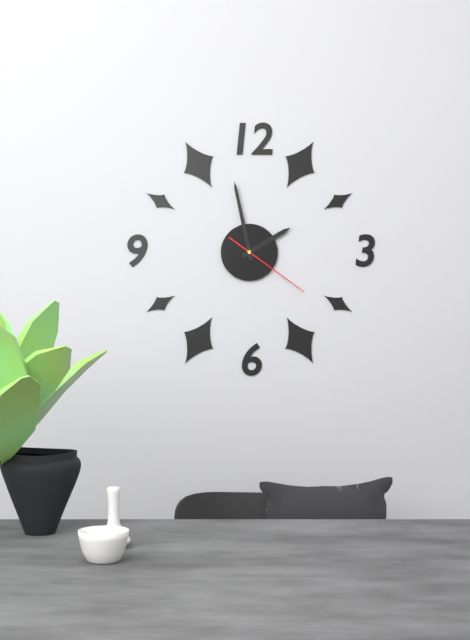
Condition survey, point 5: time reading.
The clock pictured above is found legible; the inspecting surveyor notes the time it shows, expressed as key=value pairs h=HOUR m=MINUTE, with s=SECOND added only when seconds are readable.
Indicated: h=1 m=58 s=21
